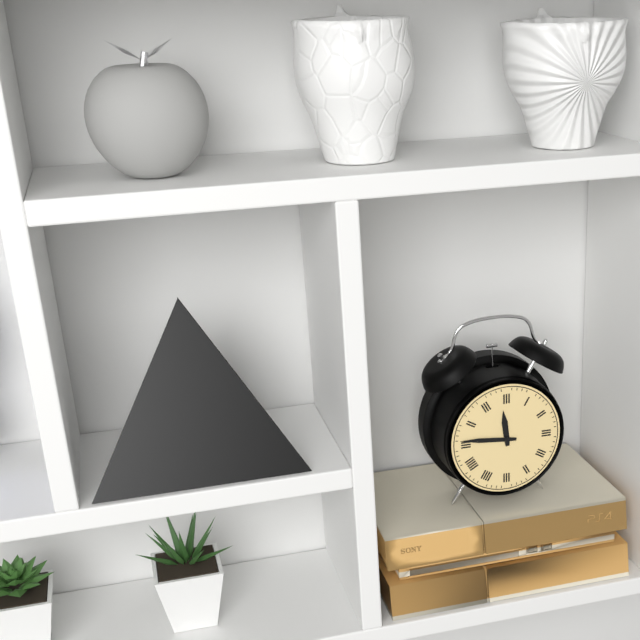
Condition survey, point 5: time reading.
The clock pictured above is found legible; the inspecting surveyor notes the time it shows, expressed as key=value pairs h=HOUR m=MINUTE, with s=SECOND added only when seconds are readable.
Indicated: h=11 m=46
